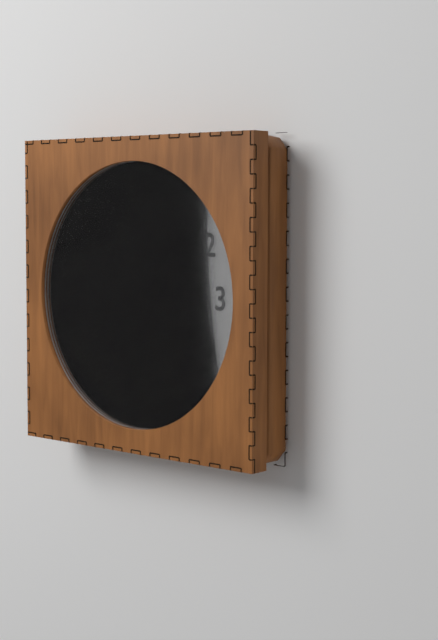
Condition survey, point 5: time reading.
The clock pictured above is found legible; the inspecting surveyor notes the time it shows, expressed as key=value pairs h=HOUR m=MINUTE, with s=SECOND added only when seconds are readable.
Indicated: h=8 m=54
